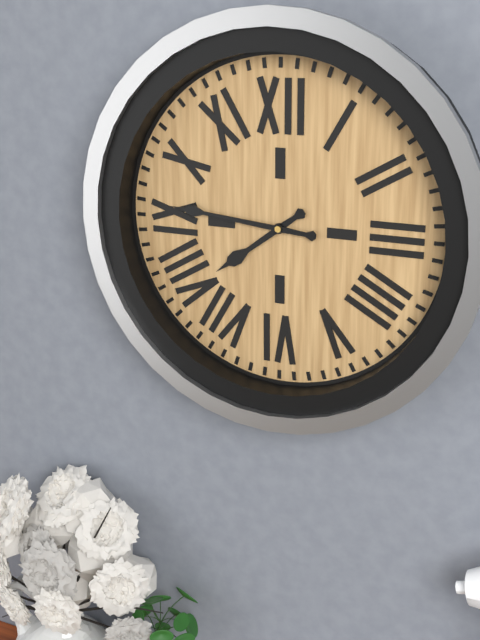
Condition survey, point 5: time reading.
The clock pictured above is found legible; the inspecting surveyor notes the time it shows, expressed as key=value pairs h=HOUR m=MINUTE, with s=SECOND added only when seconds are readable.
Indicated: h=7 m=46
